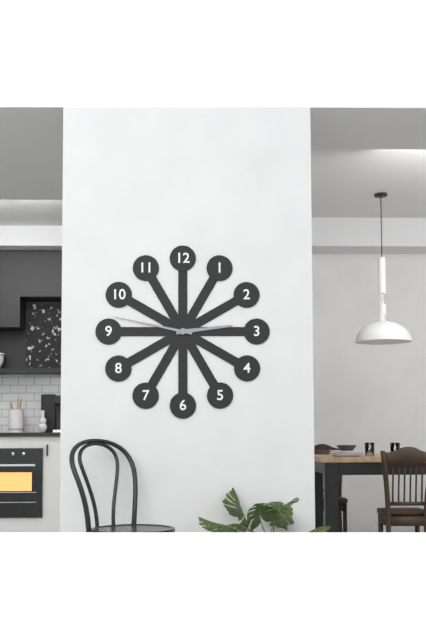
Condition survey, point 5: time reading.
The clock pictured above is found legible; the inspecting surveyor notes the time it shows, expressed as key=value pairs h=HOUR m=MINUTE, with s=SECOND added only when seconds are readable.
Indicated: h=2 m=47
